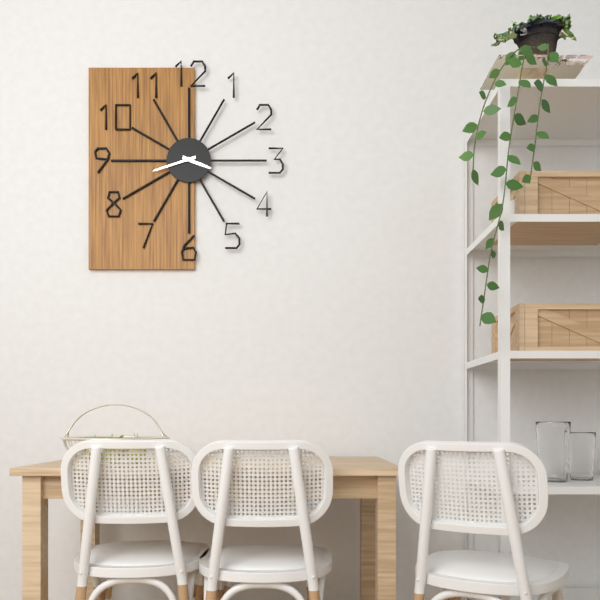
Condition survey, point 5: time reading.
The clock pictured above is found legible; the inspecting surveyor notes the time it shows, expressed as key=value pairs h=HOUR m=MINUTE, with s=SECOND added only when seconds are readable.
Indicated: h=3 m=42
